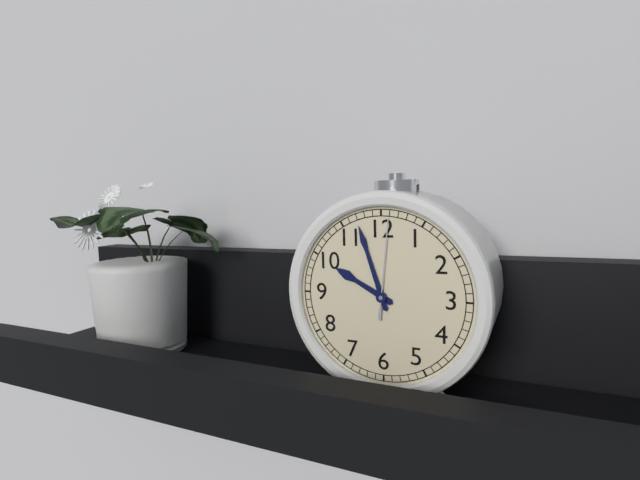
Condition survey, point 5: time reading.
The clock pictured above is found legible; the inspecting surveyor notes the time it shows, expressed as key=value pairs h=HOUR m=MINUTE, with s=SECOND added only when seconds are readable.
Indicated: h=9 m=57 s=1
